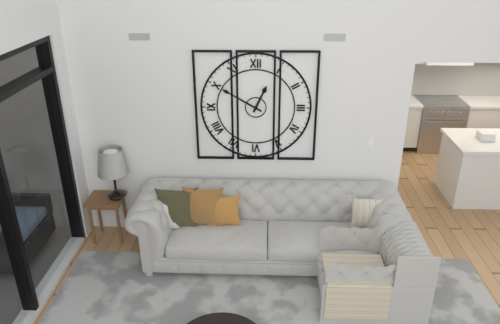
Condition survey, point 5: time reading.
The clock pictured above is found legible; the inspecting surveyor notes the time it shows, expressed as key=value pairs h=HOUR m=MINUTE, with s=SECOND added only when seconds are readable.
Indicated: h=12 m=50
